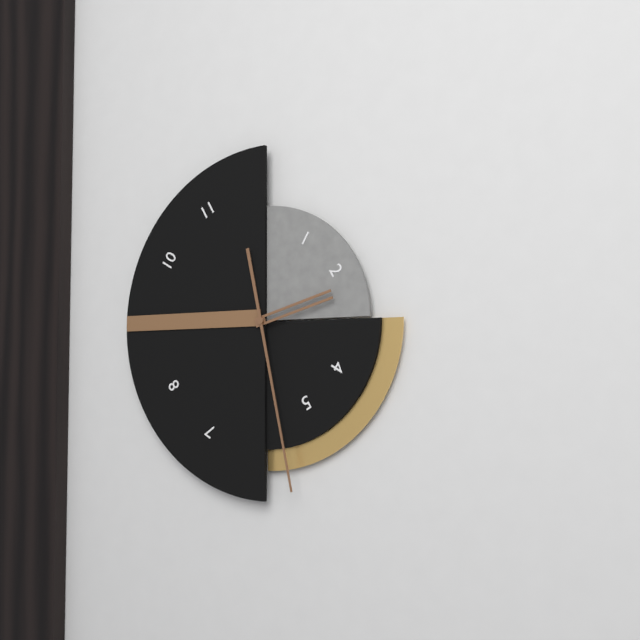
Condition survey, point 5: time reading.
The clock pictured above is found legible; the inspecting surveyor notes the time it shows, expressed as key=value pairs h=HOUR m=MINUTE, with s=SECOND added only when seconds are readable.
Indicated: h=2 m=28
